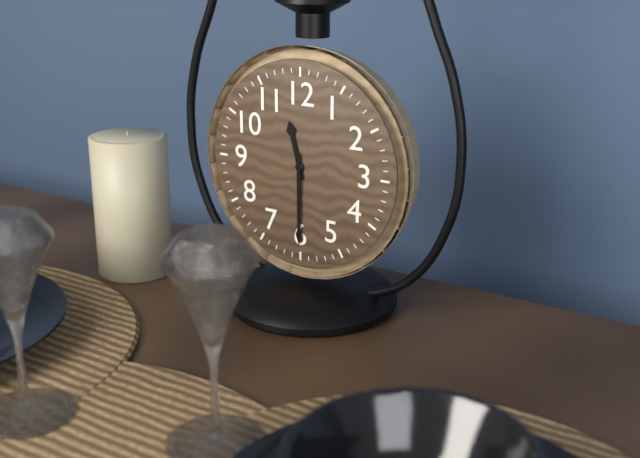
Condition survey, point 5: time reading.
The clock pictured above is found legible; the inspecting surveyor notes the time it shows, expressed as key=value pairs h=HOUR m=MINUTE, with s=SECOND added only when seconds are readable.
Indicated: h=11 m=30
